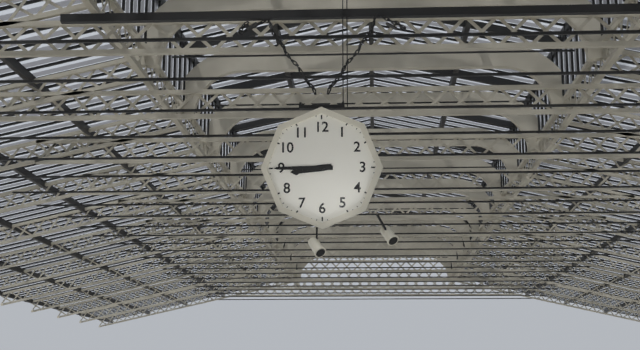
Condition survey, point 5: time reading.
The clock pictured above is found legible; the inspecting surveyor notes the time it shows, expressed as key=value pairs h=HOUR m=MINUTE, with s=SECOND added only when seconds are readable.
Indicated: h=8 m=45
